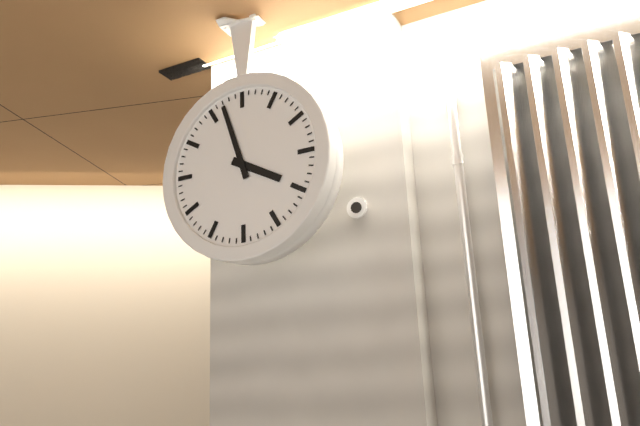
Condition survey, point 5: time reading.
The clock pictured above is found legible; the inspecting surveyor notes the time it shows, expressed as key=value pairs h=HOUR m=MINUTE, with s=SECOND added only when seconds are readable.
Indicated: h=3 m=57
